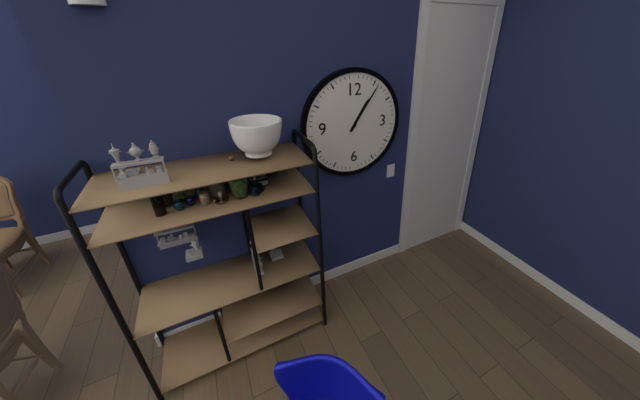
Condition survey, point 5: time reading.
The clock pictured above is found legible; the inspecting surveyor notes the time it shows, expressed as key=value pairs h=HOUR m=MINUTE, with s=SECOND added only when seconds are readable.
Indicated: h=1 m=6
